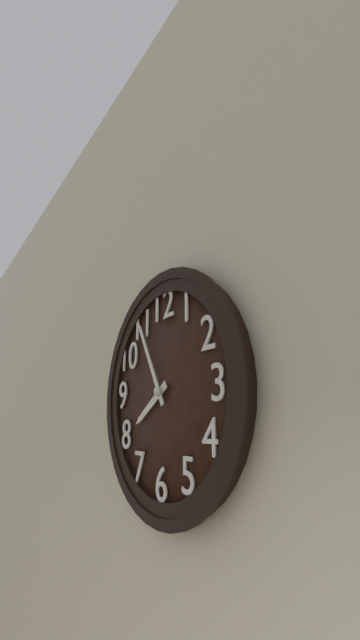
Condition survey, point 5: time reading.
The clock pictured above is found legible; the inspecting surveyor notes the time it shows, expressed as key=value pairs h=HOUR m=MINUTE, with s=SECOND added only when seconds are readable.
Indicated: h=7 m=55
